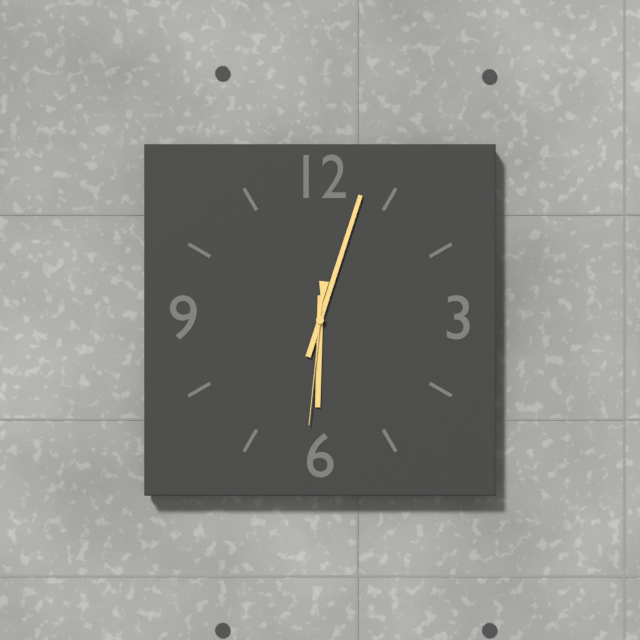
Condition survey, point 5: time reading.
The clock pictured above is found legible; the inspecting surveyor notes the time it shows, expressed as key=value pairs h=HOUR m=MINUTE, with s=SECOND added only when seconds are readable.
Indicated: h=6 m=3 s=31
